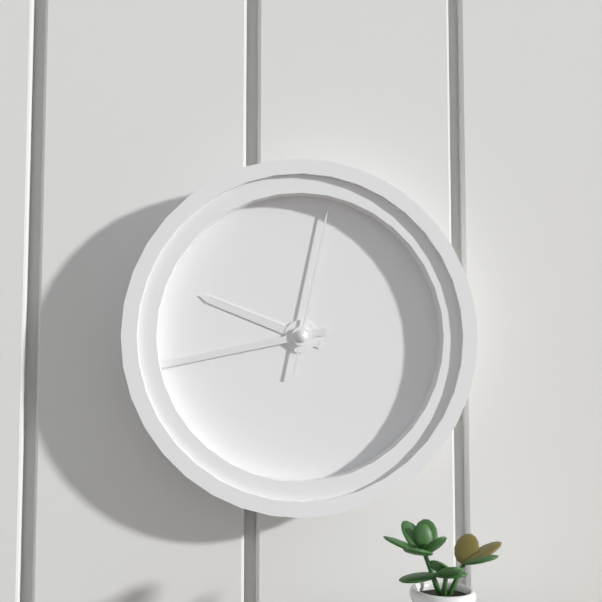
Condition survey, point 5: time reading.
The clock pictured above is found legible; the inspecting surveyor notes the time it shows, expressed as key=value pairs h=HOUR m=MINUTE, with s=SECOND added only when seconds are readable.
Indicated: h=9 m=43 s=2
